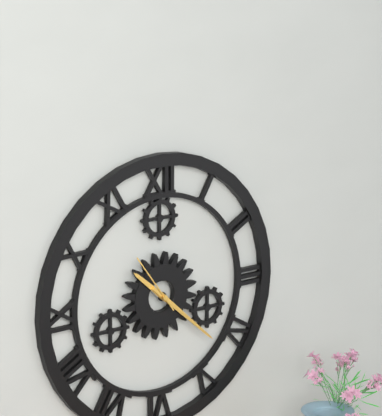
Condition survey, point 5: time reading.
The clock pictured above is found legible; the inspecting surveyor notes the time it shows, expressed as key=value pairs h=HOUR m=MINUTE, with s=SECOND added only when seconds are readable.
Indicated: h=10 m=22 s=54
